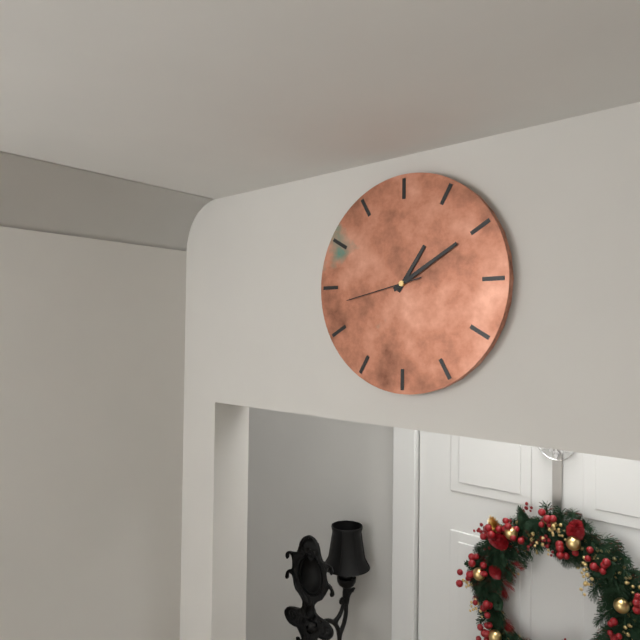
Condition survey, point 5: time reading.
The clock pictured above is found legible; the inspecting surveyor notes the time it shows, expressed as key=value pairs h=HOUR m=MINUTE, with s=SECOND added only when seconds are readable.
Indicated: h=1 m=10 s=43
